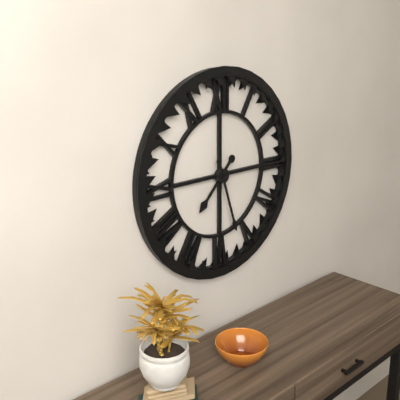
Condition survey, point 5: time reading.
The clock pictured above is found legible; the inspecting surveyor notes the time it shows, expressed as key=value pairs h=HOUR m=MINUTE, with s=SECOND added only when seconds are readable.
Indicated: h=7 m=27
